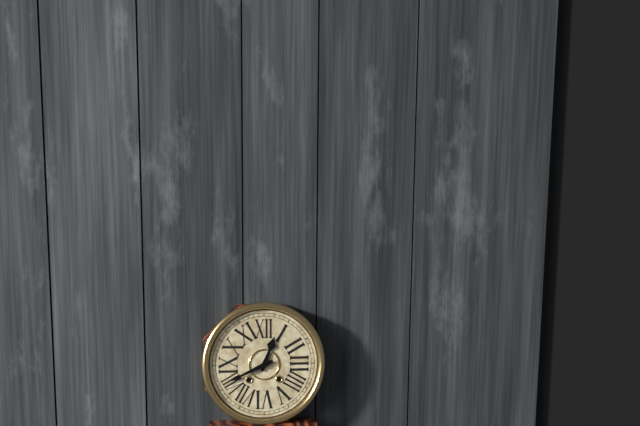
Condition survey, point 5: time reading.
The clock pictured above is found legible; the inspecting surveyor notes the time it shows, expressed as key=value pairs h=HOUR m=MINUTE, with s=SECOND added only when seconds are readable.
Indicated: h=12 m=41
